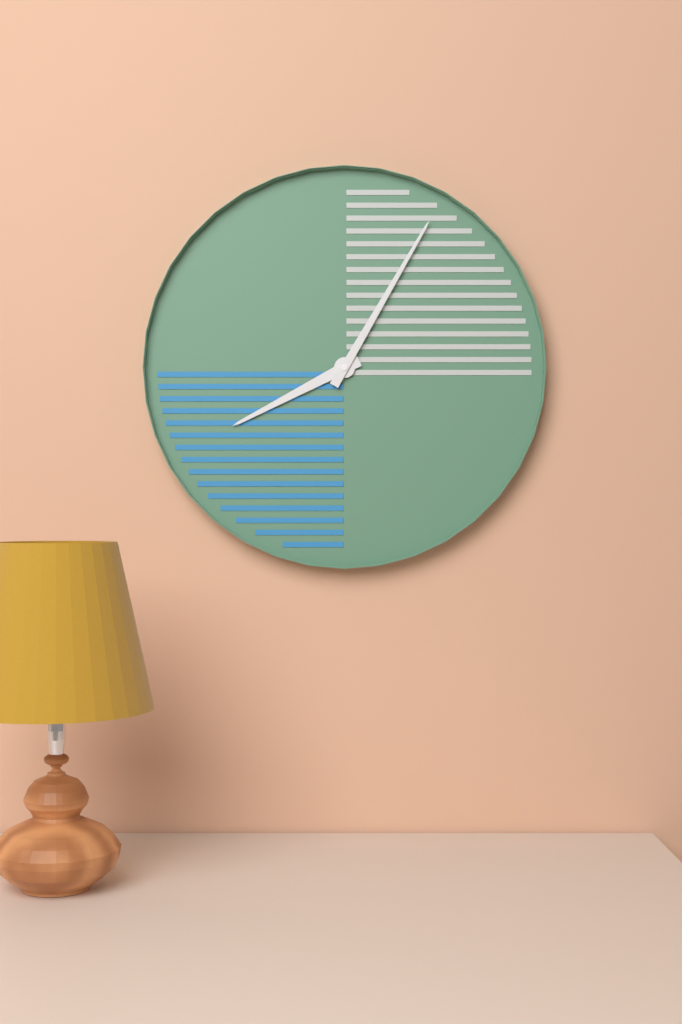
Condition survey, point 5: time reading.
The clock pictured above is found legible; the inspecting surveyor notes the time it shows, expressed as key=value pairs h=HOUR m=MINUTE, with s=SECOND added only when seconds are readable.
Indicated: h=8 m=5
